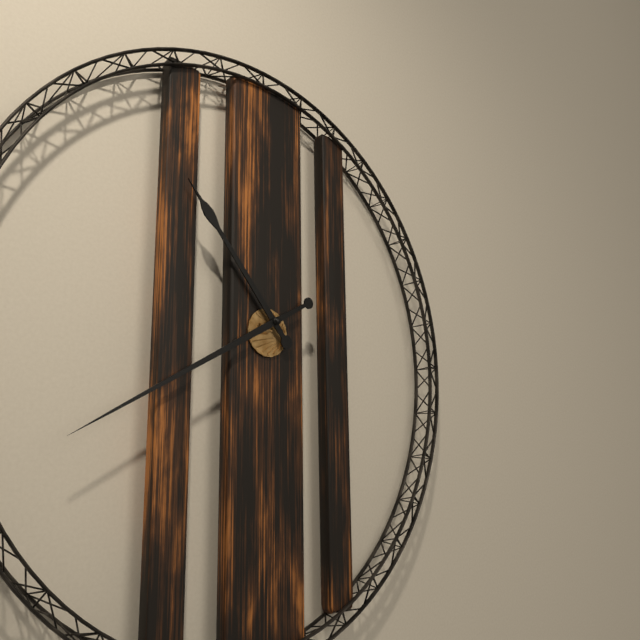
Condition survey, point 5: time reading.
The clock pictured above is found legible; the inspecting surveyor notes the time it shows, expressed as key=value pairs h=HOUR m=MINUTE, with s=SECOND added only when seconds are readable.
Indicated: h=10 m=40
